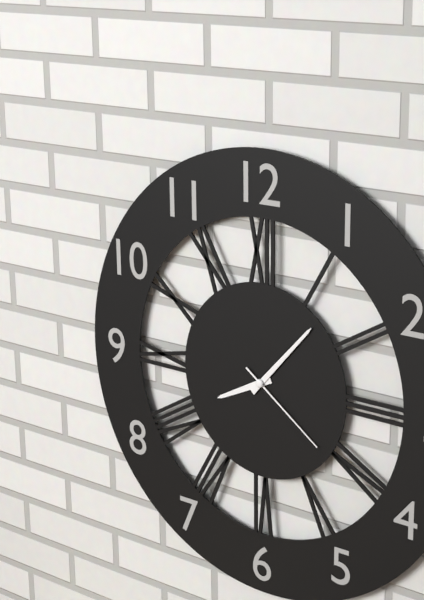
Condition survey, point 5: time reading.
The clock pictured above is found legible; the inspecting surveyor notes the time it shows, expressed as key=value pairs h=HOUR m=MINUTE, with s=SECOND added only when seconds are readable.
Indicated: h=8 m=7 s=21
